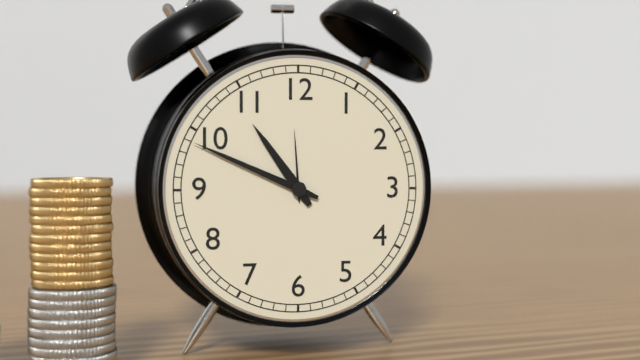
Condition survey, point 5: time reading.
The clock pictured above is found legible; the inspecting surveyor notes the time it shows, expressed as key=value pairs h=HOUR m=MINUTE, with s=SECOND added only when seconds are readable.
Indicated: h=10 m=49
